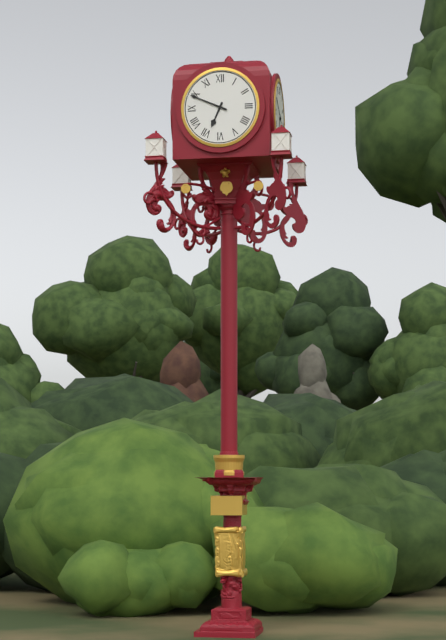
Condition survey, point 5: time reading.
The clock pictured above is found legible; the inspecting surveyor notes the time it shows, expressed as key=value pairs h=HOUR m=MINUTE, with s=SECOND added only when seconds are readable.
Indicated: h=6 m=49
